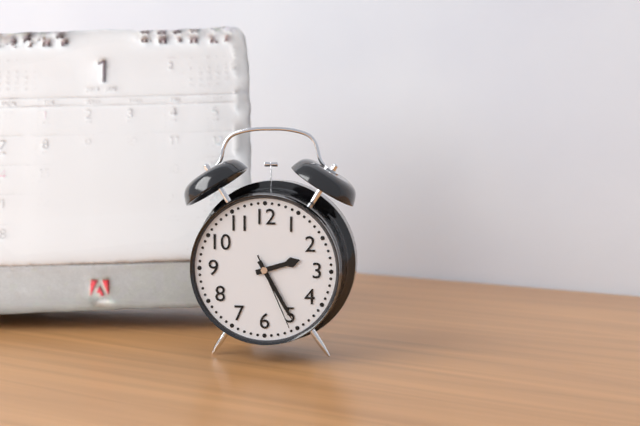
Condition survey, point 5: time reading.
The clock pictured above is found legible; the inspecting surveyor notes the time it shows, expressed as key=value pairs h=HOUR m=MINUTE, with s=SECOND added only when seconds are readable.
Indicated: h=2 m=25 s=26
